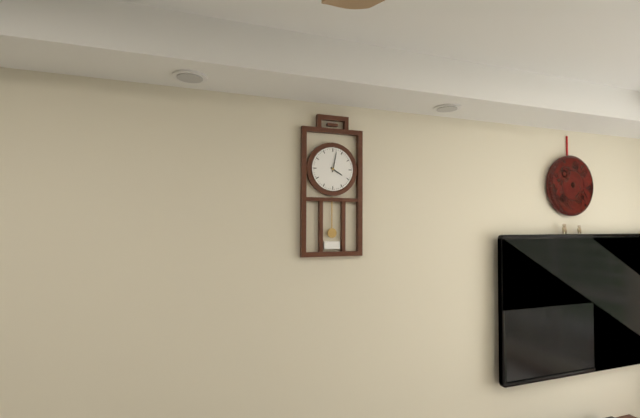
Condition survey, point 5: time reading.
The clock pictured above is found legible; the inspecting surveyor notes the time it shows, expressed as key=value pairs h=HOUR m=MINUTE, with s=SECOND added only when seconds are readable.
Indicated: h=4 m=2
